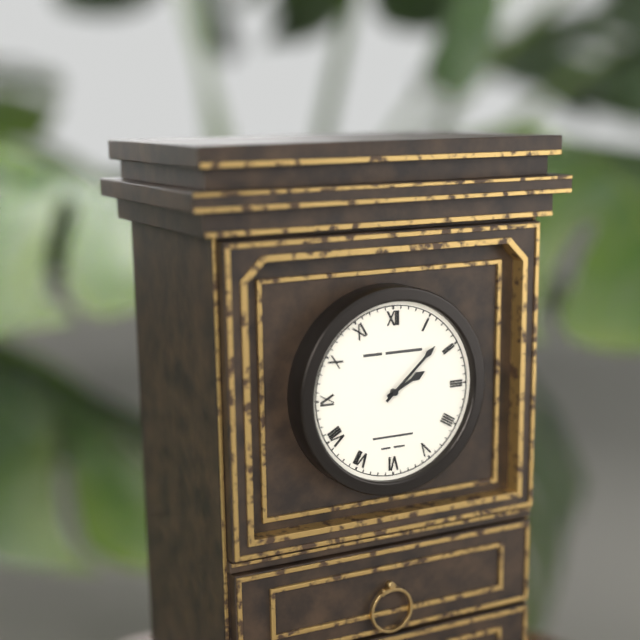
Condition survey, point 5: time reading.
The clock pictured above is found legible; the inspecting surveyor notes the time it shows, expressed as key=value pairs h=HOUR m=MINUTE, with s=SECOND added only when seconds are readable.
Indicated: h=2 m=8
